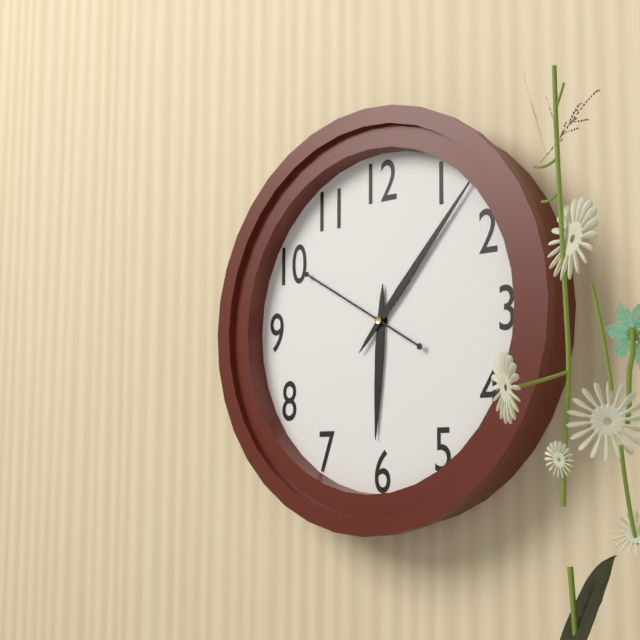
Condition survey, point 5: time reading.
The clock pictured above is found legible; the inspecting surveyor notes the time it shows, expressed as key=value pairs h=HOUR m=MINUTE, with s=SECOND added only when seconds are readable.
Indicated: h=6 m=7 s=50
